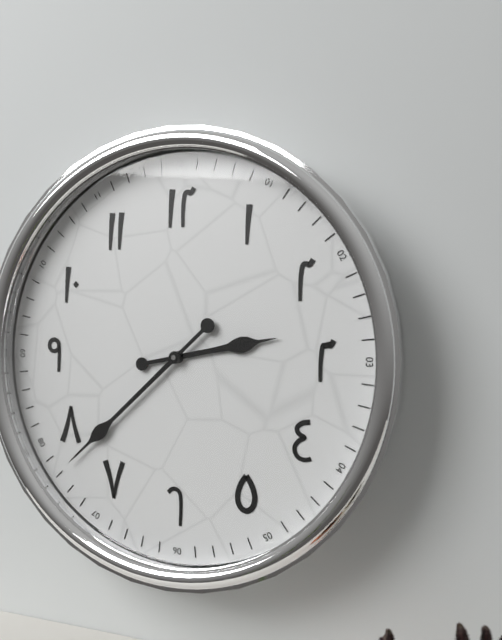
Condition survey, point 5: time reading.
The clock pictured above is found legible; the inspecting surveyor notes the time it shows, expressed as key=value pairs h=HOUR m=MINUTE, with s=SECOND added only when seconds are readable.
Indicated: h=2 m=38
